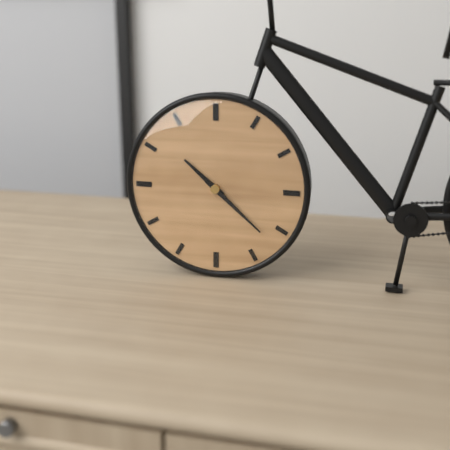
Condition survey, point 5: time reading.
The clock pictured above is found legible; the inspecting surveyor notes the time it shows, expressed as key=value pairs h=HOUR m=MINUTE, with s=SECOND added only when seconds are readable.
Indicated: h=10 m=22
